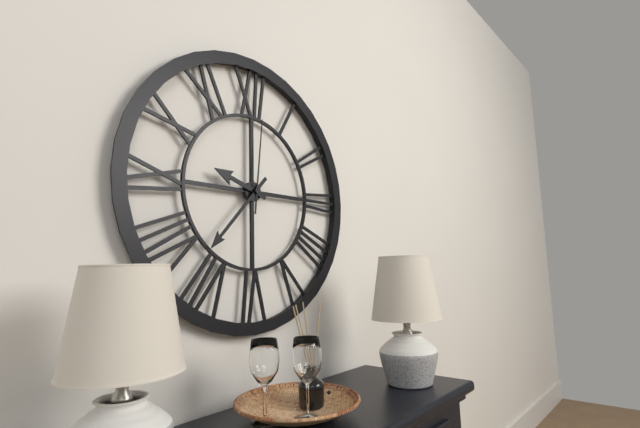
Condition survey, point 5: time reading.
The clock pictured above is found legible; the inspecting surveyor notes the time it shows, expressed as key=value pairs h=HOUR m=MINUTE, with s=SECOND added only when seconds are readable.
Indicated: h=9 m=37 s=1
